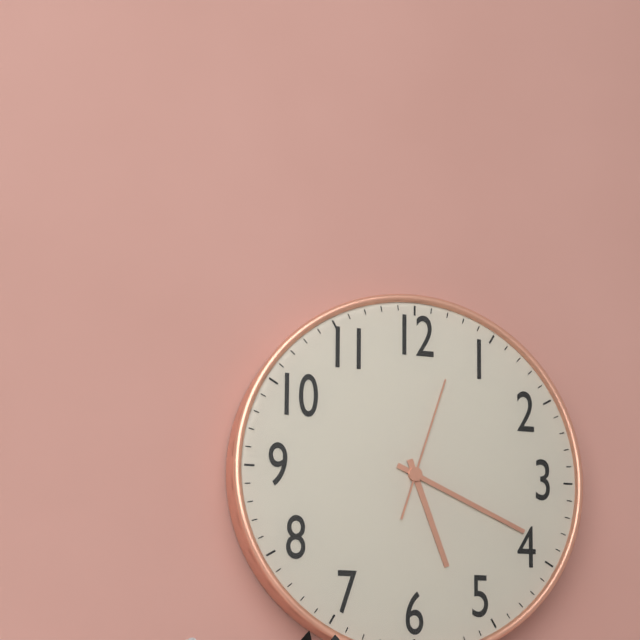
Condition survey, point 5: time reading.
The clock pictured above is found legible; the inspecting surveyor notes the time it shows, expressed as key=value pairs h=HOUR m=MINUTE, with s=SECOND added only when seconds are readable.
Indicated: h=5 m=19 s=3
